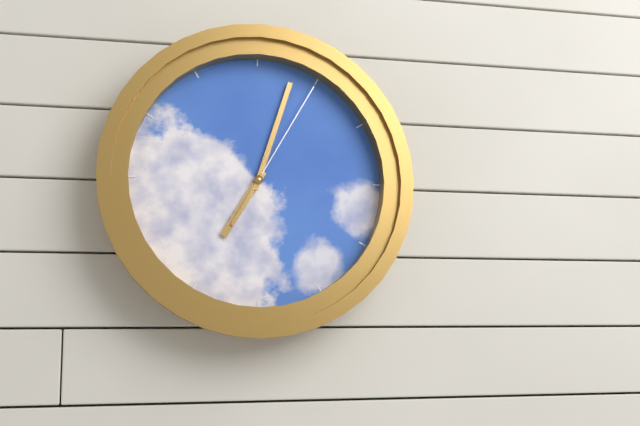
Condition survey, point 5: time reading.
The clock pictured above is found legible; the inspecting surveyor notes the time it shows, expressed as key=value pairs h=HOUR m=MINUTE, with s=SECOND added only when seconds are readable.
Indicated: h=7 m=3 s=5
